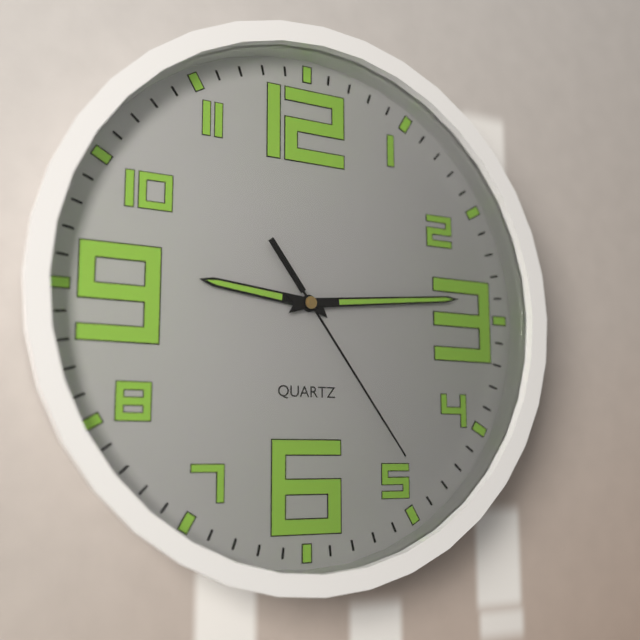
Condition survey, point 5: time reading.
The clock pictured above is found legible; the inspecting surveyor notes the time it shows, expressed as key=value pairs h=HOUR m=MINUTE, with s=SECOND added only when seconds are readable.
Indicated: h=9 m=14 s=24
